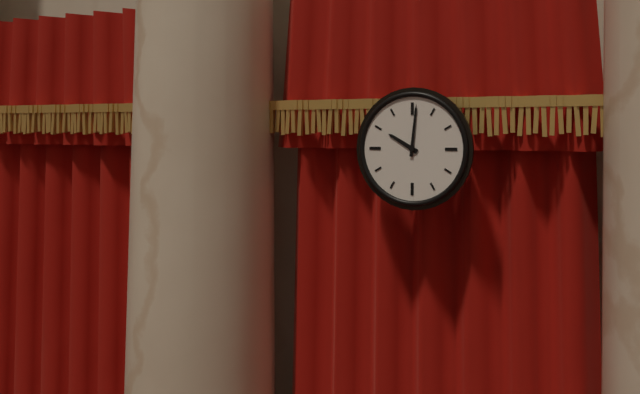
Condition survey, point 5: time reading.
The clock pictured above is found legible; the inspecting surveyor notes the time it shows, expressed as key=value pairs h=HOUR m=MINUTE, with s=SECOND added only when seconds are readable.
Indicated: h=10 m=1
